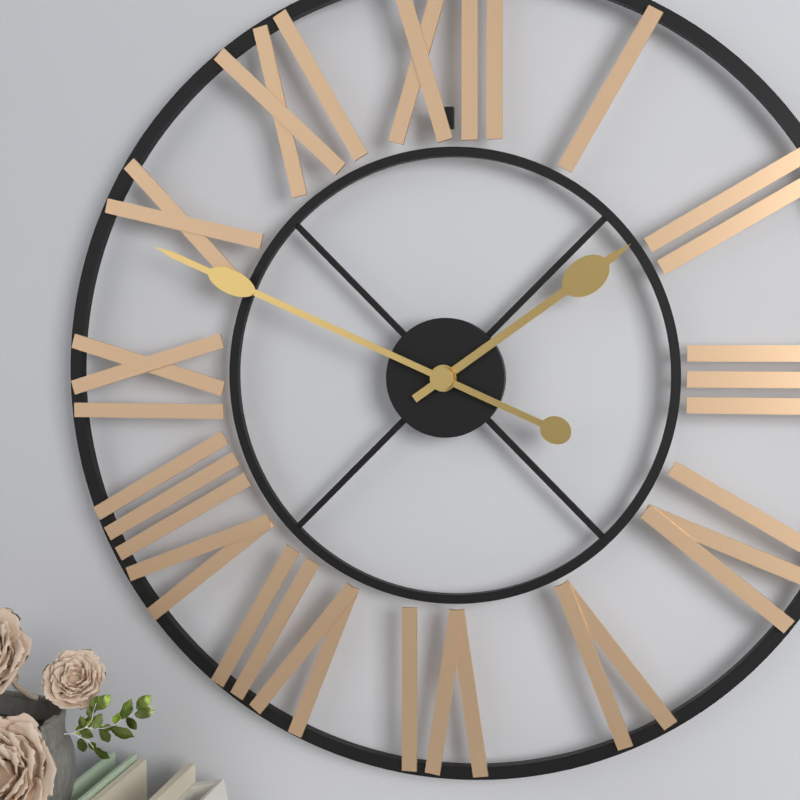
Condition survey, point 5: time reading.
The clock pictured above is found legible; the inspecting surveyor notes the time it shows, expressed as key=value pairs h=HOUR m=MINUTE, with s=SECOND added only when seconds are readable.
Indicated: h=1 m=49
